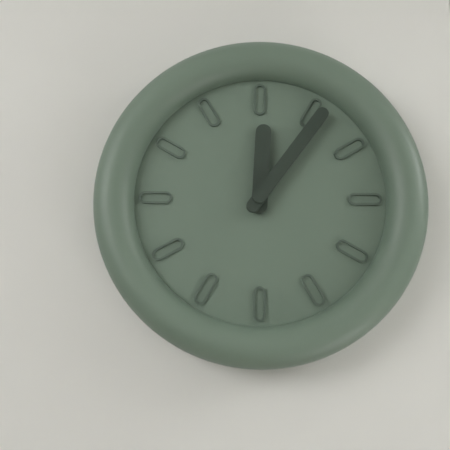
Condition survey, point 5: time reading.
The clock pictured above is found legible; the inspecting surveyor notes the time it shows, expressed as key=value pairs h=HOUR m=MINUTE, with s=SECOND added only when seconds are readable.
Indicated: h=12 m=6
